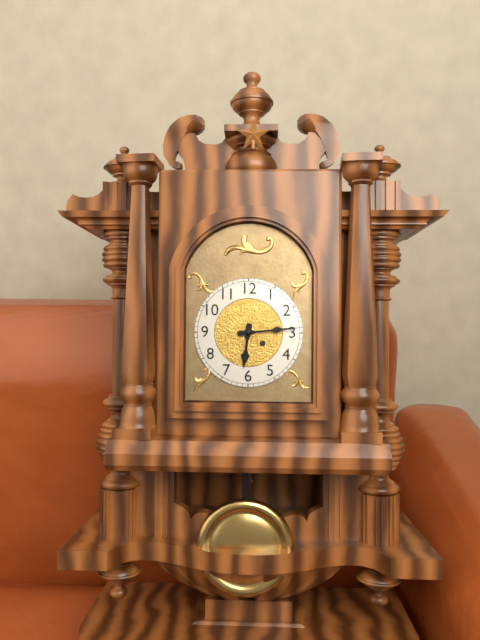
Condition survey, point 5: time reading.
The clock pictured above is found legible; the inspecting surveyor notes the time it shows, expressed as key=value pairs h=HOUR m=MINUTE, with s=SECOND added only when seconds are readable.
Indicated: h=6 m=14
